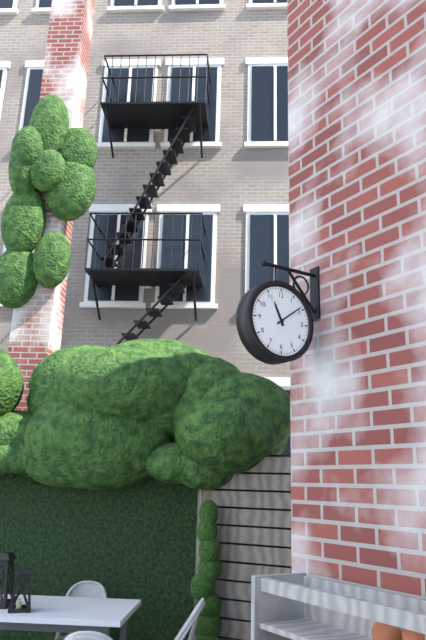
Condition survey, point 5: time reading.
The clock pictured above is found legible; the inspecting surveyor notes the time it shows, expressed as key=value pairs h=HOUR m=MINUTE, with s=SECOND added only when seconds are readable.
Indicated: h=11 m=9
